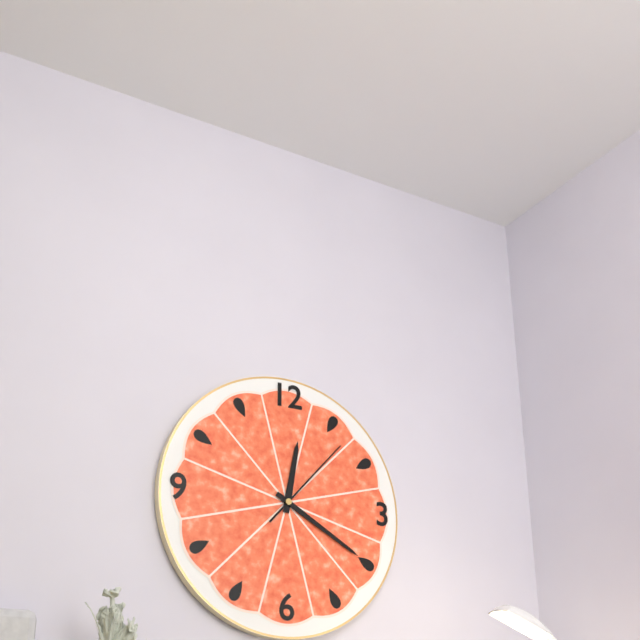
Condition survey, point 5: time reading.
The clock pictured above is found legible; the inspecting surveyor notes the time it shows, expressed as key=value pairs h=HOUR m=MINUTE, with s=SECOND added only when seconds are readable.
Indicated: h=12 m=20 s=7
